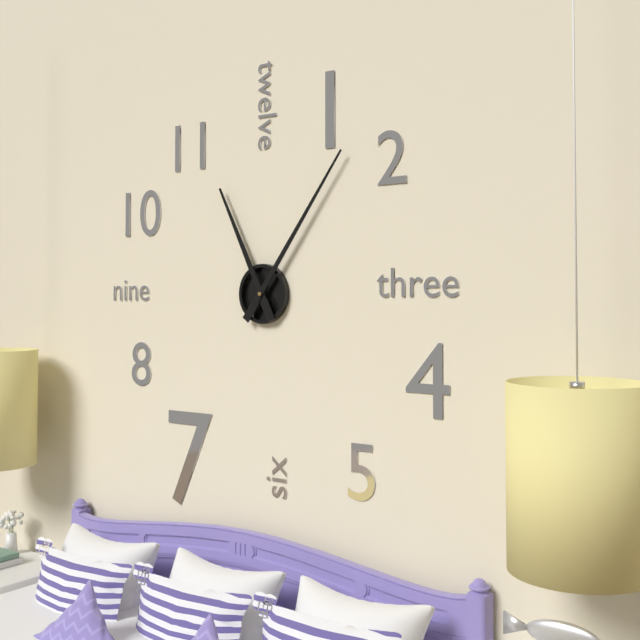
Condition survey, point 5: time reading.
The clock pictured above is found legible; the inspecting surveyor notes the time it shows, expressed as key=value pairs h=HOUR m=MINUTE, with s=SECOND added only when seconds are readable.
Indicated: h=11 m=6
